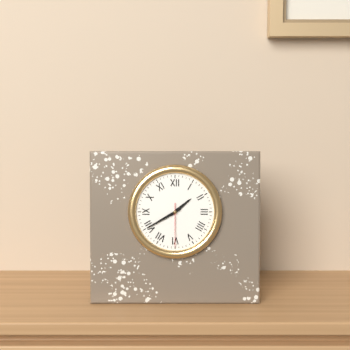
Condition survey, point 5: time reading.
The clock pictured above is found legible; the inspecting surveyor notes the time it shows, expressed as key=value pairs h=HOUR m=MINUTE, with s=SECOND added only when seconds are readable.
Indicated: h=1 m=40
